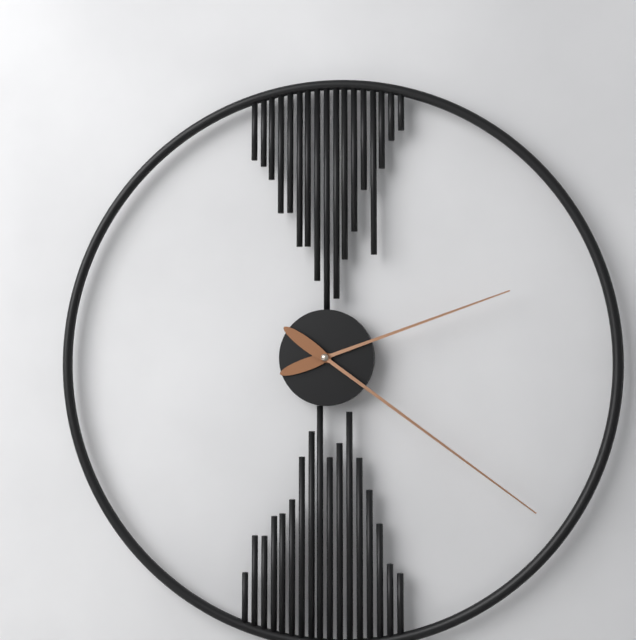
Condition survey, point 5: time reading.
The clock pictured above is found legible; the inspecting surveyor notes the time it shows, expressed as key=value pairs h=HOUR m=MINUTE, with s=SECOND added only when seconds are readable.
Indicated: h=2 m=21
